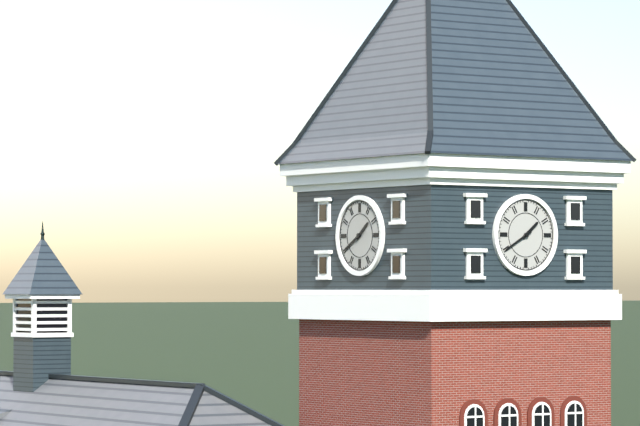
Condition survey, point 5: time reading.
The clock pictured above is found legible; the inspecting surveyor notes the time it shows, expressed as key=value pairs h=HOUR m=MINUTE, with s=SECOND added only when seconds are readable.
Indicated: h=1 m=40
